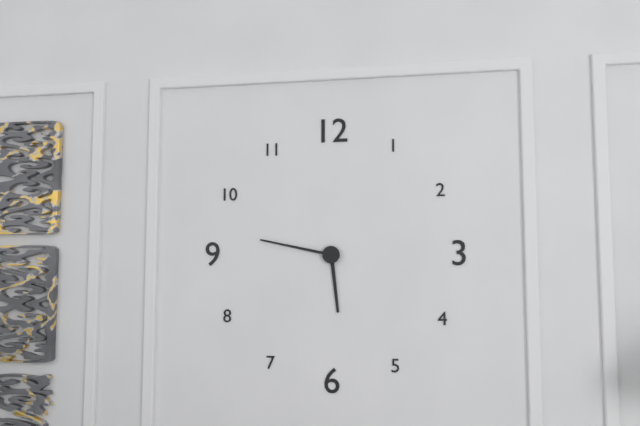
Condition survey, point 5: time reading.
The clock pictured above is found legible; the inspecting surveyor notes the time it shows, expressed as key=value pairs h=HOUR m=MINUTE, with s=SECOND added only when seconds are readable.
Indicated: h=5 m=47
